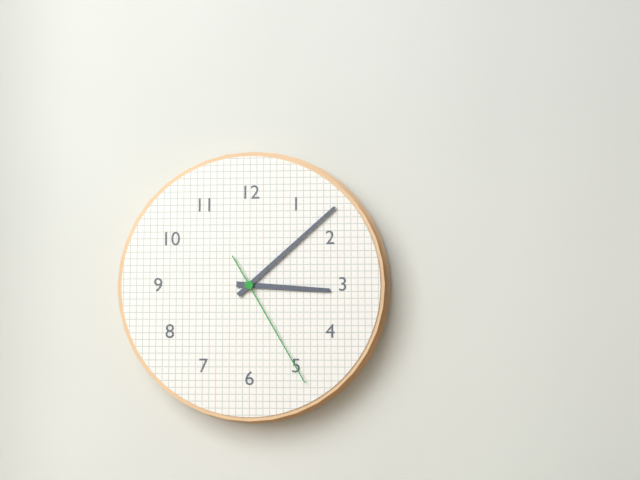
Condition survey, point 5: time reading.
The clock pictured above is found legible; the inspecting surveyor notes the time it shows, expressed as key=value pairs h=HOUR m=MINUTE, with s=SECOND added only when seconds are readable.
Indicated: h=3 m=8 s=25
